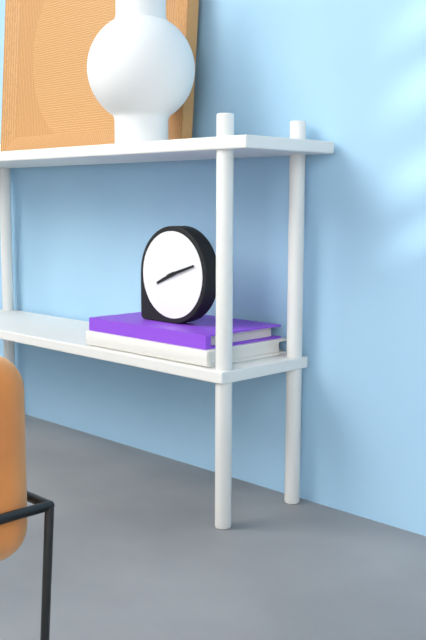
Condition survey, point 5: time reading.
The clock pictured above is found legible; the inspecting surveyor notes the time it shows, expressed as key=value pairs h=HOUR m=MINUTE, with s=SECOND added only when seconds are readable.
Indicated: h=8 m=12
